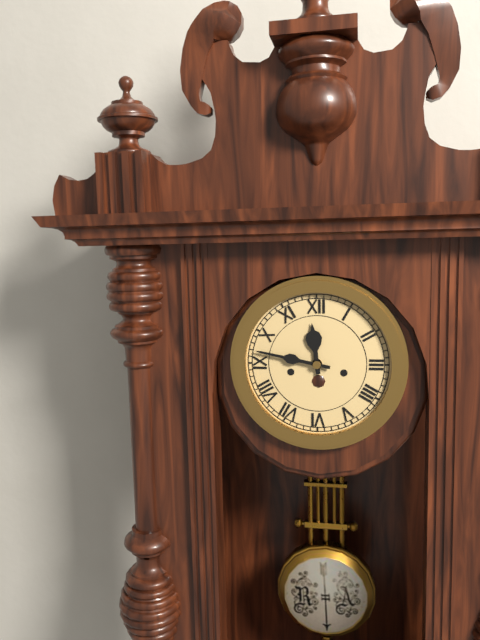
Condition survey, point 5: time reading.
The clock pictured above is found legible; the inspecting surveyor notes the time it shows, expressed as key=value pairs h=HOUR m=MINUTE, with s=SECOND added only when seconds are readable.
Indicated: h=11 m=47
